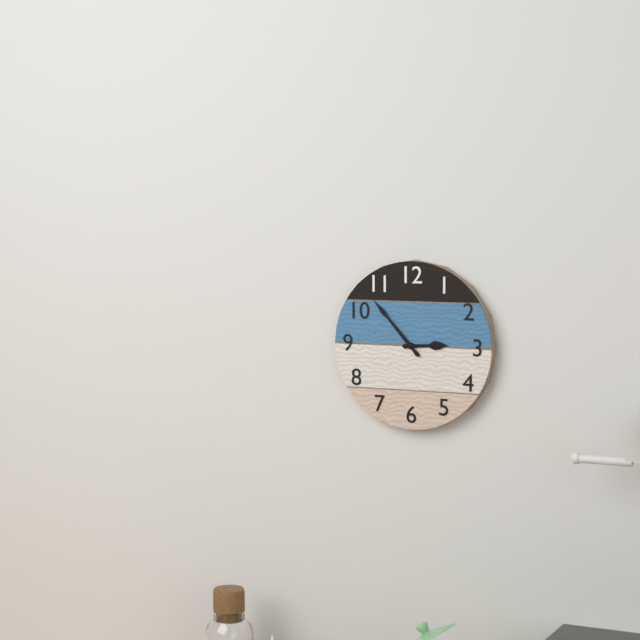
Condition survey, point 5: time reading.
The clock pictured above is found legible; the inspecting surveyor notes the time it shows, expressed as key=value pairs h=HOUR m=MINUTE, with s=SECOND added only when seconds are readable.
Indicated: h=2 m=53
